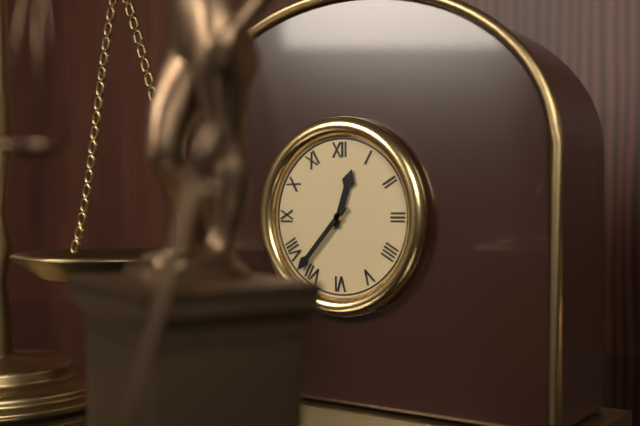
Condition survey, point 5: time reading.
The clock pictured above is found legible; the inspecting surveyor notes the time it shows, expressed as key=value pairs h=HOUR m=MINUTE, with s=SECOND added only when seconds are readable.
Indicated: h=12 m=37
